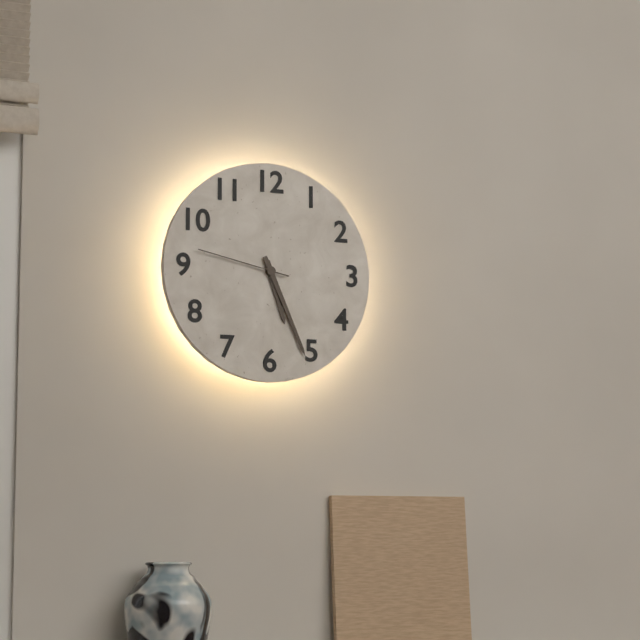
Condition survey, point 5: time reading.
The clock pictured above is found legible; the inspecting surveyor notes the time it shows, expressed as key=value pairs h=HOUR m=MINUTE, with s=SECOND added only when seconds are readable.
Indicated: h=5 m=26 s=47
